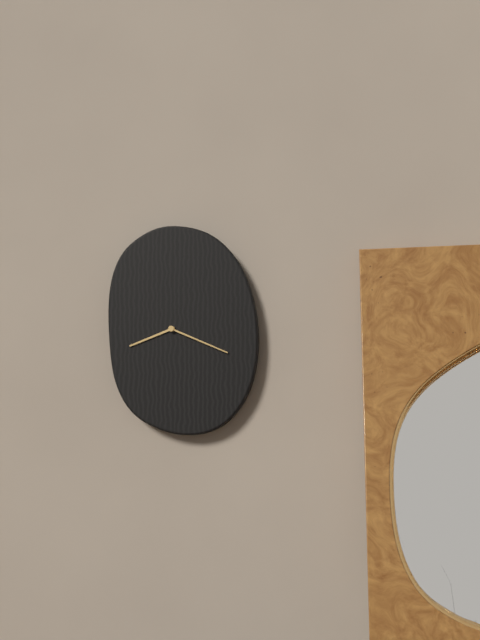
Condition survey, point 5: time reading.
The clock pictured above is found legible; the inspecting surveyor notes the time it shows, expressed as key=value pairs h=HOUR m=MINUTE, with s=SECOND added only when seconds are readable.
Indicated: h=8 m=19
